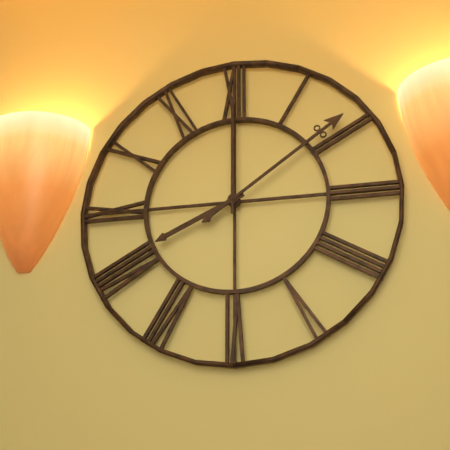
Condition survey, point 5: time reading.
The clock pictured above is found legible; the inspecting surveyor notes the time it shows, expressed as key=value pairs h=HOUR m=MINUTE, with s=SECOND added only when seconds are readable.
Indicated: h=8 m=9 s=0
